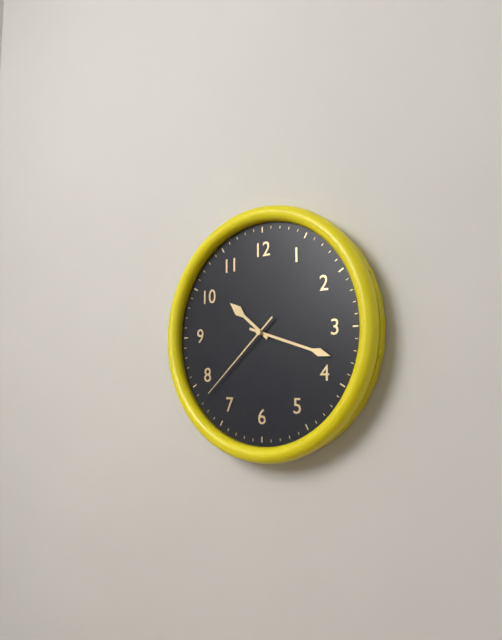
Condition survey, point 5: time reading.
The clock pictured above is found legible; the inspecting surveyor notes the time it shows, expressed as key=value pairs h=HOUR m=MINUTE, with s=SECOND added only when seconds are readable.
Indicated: h=10 m=18 s=38
